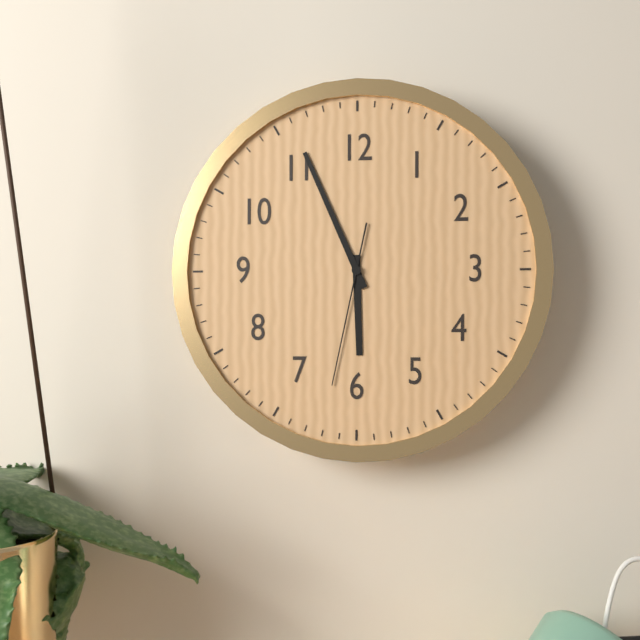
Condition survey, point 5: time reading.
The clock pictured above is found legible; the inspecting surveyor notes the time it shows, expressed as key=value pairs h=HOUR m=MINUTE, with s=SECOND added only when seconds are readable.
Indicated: h=5 m=56 s=32
